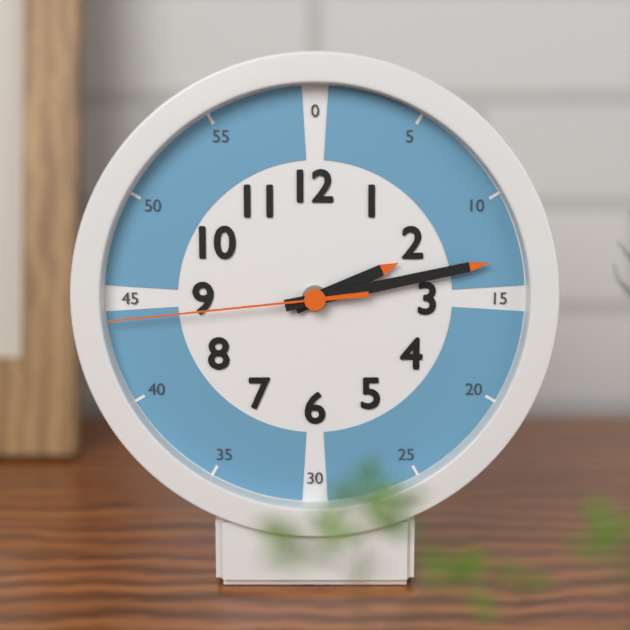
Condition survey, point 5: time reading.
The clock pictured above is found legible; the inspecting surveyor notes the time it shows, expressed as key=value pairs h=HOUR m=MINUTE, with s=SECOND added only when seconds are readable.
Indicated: h=2 m=13 s=44
